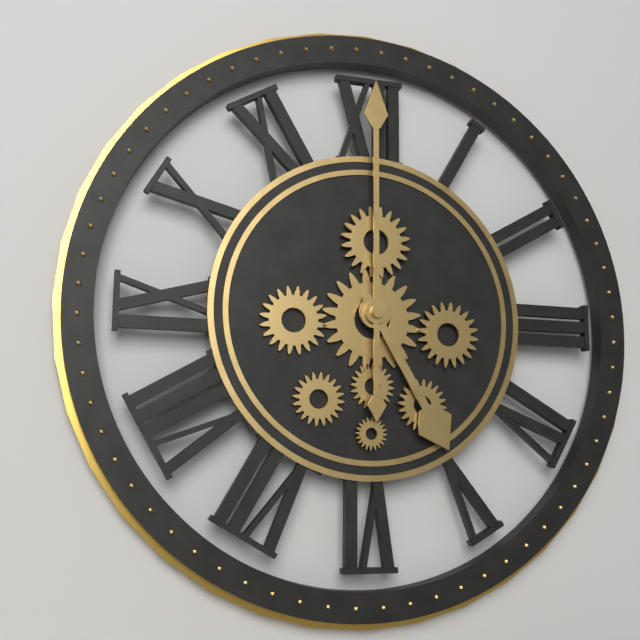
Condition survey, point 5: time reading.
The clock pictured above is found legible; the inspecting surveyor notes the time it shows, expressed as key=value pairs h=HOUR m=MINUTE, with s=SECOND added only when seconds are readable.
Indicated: h=5 m=0
